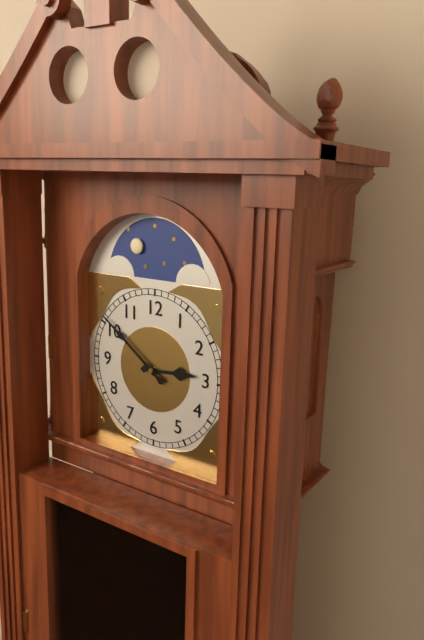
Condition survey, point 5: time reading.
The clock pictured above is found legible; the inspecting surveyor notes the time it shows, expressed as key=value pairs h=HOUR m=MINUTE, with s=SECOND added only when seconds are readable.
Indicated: h=2 m=51
